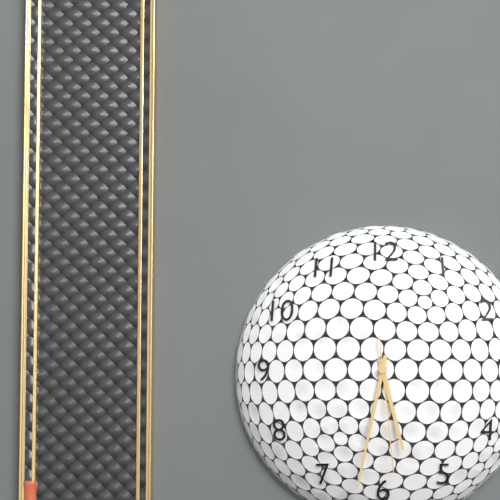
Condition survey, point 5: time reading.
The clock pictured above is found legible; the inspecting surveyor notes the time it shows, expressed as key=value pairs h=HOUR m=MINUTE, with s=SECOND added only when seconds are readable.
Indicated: h=5 m=32 s=29
